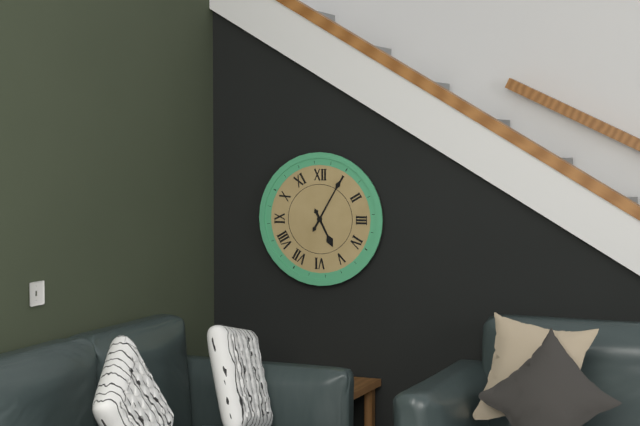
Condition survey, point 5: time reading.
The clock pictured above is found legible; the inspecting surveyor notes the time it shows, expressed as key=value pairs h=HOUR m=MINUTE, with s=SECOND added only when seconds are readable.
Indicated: h=5 m=5
